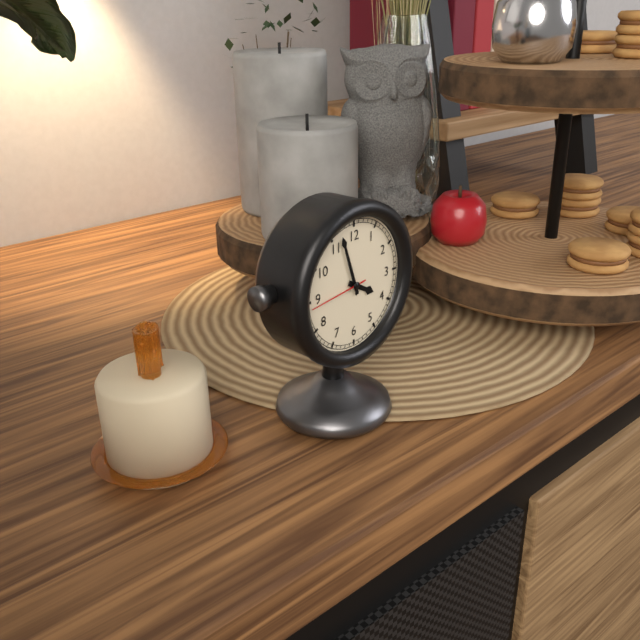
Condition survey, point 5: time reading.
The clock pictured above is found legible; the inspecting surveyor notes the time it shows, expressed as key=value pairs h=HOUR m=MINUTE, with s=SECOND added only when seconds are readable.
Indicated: h=3 m=57 s=44
